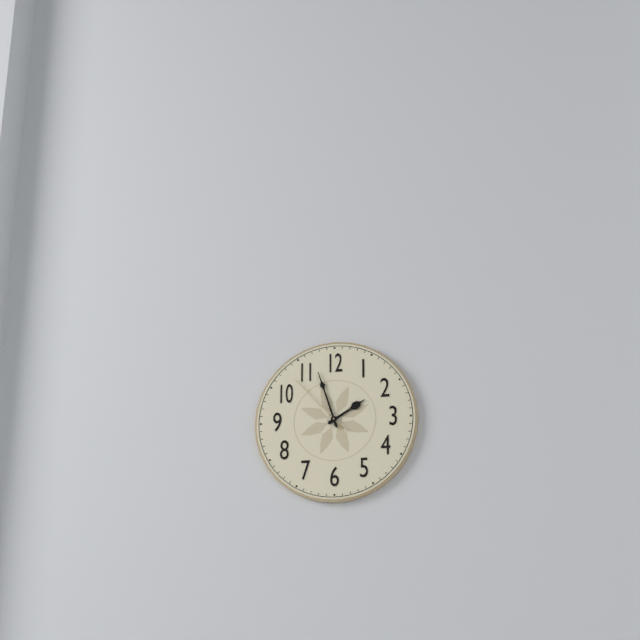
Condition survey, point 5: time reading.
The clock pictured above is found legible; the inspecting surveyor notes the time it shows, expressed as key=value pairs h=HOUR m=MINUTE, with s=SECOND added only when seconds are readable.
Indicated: h=1 m=57 s=53
